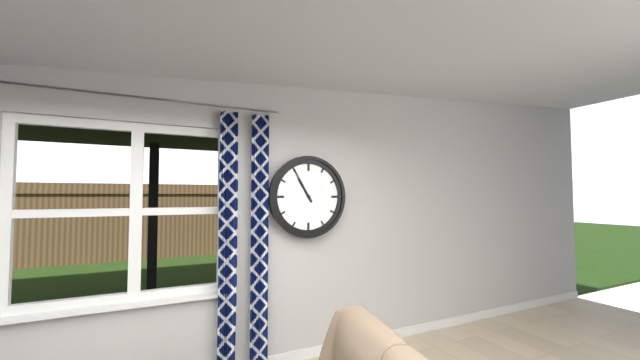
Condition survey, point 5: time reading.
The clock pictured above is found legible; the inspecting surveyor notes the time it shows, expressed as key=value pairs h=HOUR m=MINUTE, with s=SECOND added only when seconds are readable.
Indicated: h=10 m=55
